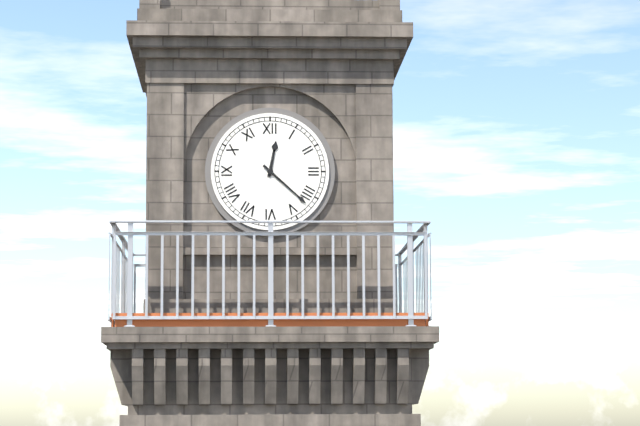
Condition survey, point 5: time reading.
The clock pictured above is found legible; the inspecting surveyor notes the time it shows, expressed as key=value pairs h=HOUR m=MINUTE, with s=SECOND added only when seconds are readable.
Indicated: h=12 m=22
